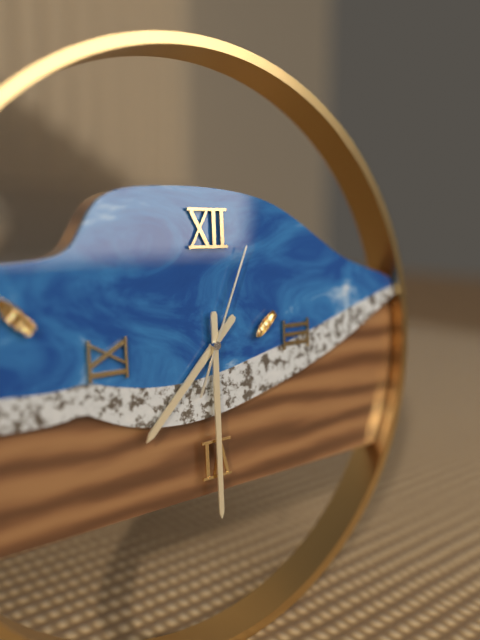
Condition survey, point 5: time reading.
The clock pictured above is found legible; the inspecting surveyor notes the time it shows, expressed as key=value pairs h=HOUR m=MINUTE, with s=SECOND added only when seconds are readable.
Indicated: h=7 m=30 s=4
